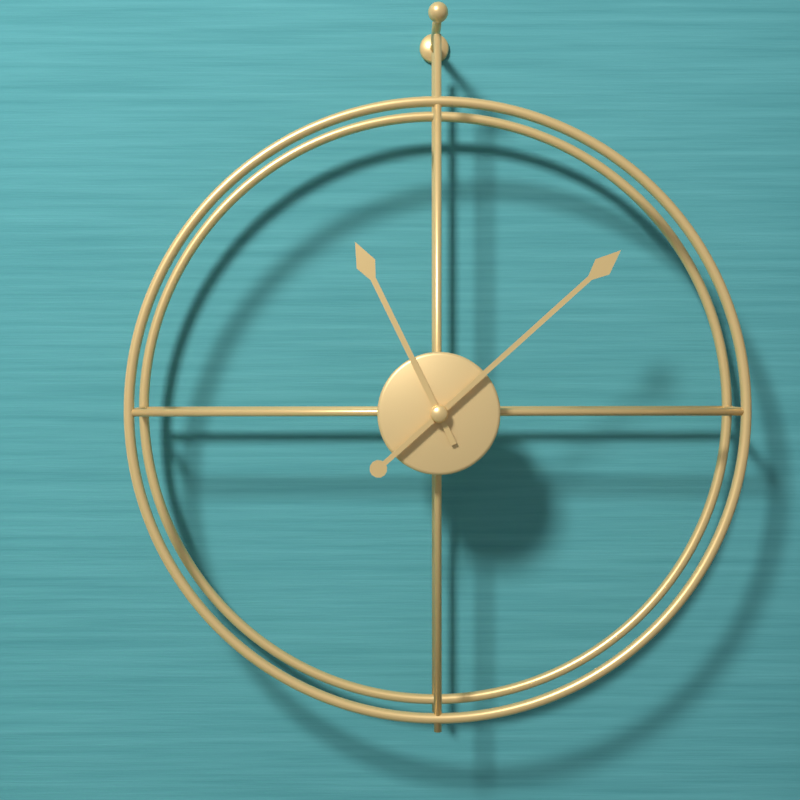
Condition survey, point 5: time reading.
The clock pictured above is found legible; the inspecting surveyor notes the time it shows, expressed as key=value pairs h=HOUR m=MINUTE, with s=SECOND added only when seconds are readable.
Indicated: h=11 m=8
